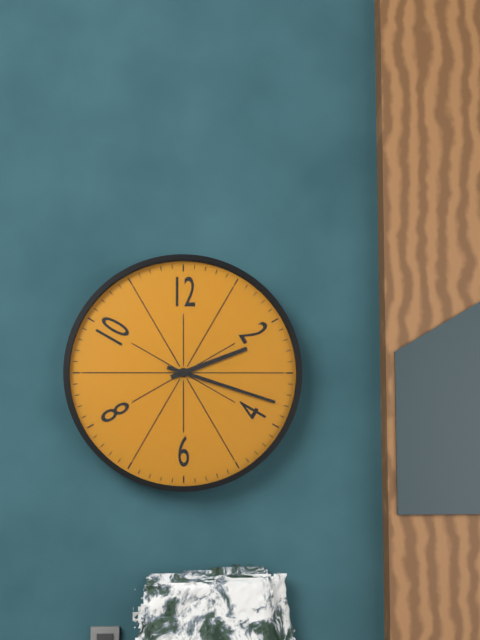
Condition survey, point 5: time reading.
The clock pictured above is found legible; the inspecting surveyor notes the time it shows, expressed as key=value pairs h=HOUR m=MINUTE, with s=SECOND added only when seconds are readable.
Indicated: h=2 m=18
